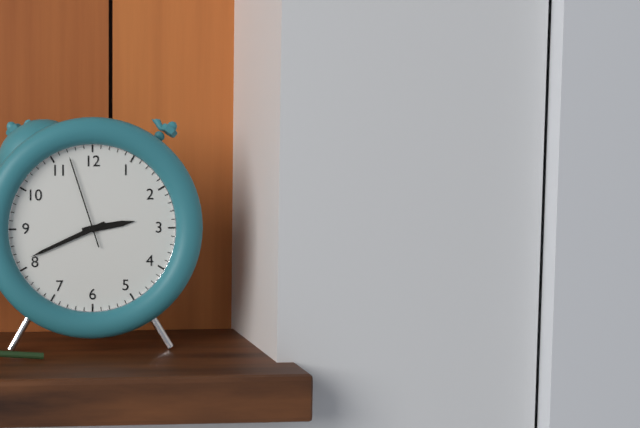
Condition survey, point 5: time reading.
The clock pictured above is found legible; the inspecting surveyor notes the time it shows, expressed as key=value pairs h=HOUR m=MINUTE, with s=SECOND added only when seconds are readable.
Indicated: h=2 m=41 s=57
